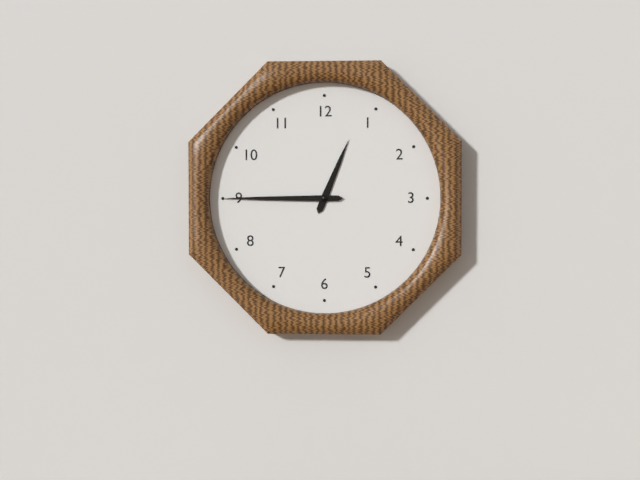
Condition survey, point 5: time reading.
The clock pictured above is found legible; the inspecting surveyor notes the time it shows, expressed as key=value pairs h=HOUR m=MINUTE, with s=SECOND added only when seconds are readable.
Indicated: h=12 m=45
